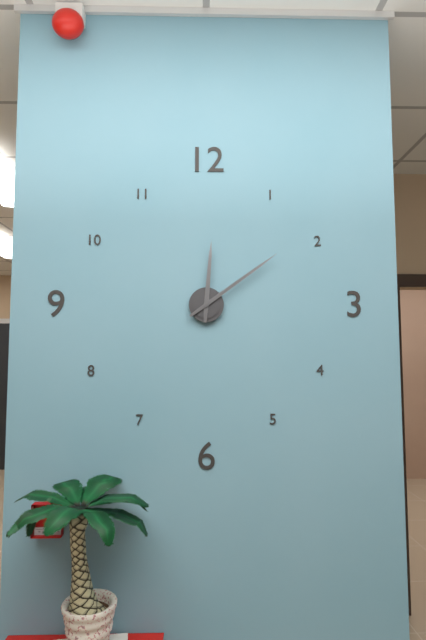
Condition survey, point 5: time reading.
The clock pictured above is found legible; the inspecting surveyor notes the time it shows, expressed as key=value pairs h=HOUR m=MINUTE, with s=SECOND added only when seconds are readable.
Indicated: h=12 m=9
